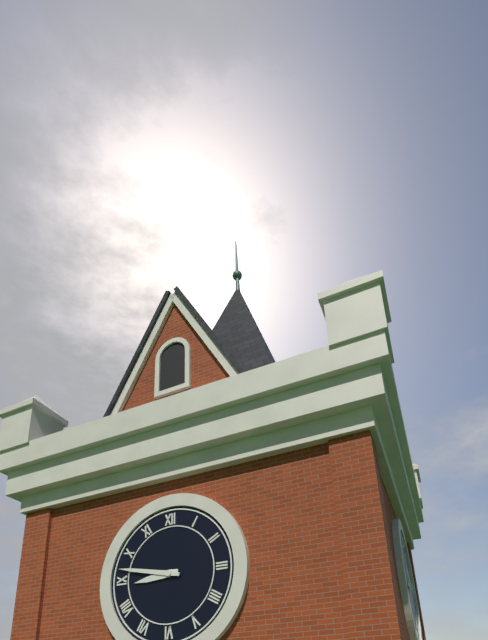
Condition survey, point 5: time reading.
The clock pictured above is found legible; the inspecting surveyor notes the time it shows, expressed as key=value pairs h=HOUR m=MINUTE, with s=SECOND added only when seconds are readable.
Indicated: h=8 m=47
